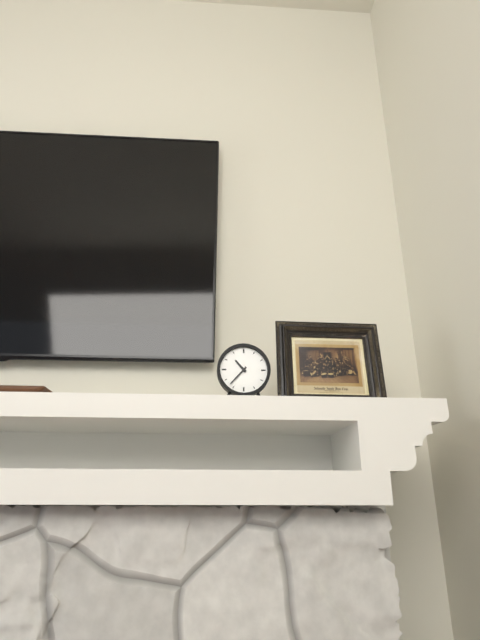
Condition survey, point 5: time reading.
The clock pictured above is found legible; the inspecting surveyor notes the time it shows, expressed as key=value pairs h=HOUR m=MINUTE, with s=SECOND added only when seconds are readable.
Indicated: h=10 m=37
